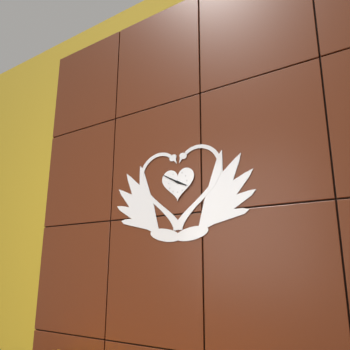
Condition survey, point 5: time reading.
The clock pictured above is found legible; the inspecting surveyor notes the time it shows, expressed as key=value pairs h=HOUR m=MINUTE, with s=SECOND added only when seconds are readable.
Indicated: h=3 m=50
